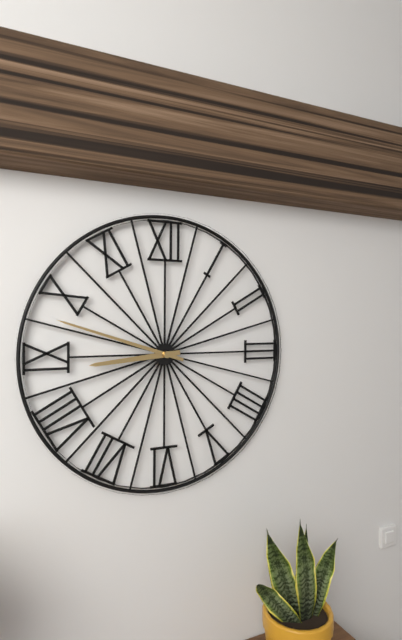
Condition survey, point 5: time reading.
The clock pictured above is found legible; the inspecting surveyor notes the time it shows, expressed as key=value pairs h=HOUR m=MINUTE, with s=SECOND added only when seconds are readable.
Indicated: h=8 m=48
